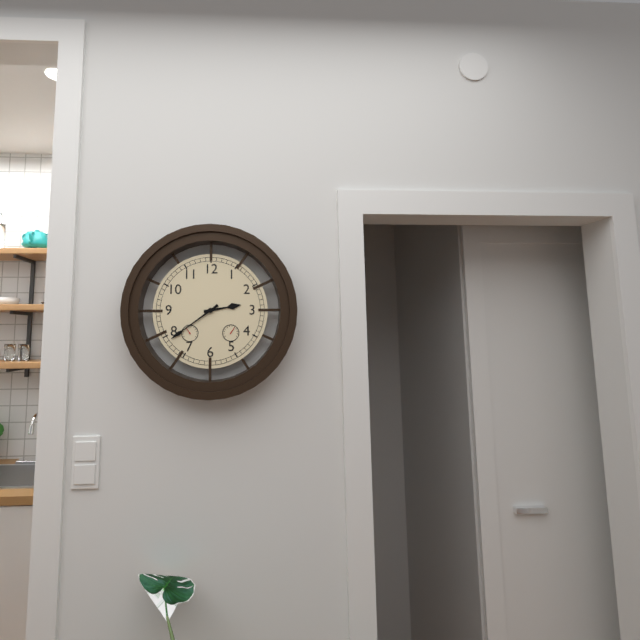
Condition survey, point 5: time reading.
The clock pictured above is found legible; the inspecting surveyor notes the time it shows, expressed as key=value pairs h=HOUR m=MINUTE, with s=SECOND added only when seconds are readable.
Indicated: h=2 m=39
